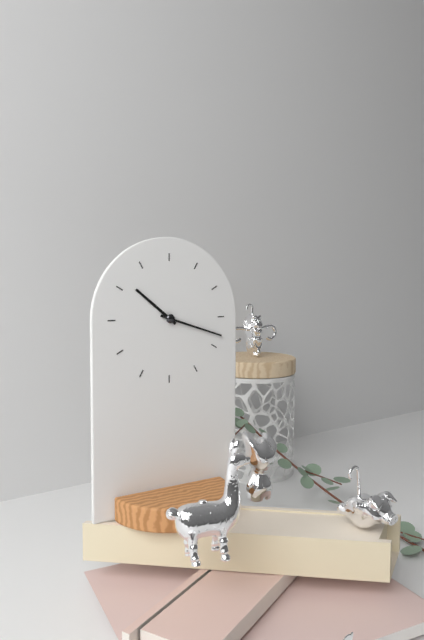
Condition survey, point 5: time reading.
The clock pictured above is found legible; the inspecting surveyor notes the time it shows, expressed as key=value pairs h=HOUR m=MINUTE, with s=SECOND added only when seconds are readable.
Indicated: h=10 m=18
